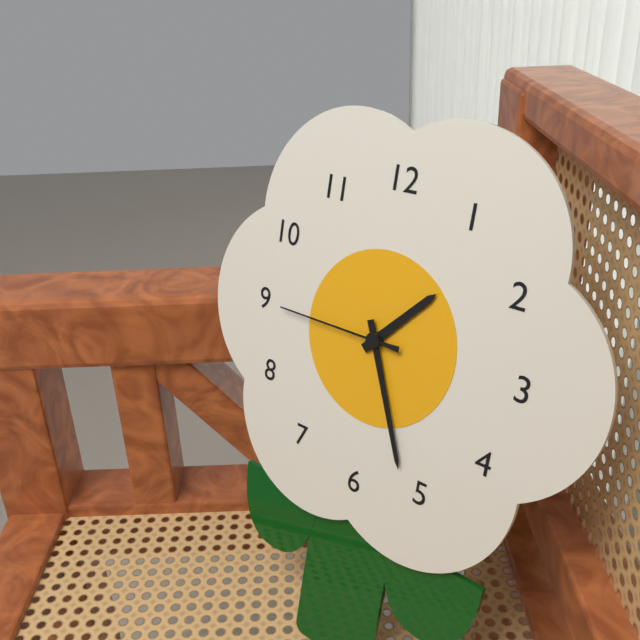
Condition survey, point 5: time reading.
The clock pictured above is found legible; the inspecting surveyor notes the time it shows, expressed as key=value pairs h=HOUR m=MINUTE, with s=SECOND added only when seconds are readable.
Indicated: h=1 m=26 s=45
